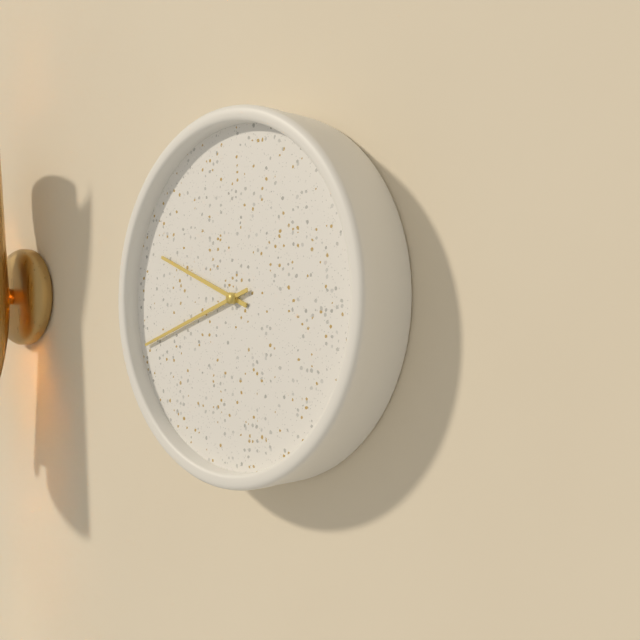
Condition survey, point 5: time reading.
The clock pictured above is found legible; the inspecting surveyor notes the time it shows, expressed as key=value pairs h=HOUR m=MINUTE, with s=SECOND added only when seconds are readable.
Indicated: h=9 m=42
